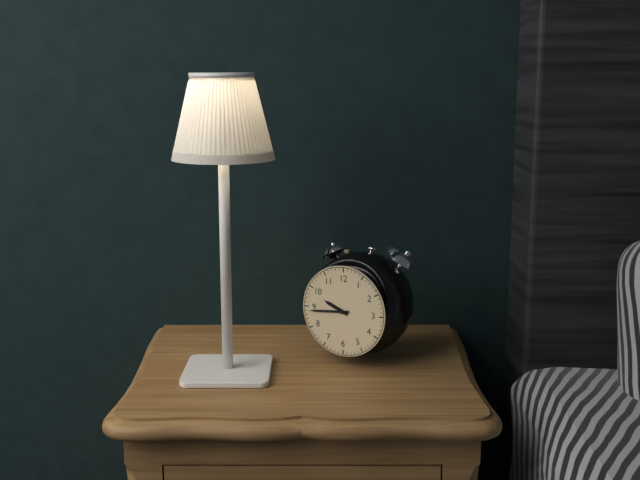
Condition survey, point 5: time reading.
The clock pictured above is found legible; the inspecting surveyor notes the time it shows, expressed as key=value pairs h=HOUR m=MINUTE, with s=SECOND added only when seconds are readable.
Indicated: h=9 m=44
